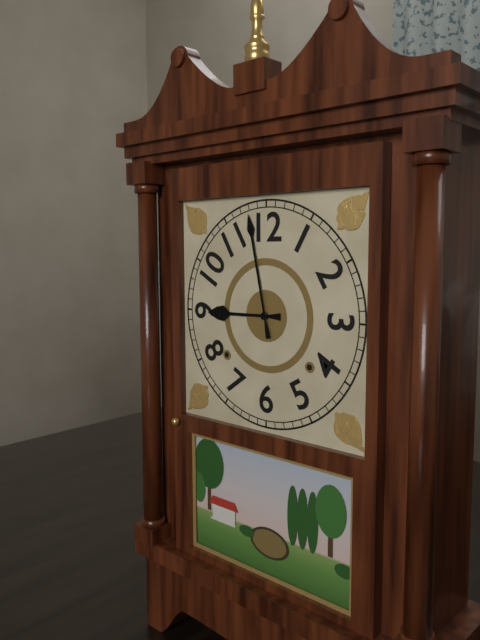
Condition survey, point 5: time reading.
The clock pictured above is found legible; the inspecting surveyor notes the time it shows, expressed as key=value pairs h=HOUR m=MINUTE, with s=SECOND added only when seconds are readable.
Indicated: h=8 m=58
